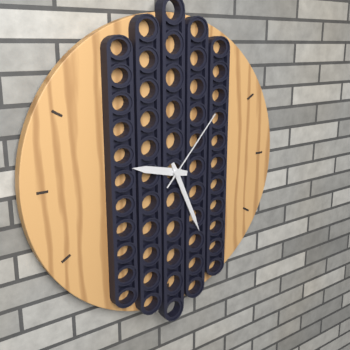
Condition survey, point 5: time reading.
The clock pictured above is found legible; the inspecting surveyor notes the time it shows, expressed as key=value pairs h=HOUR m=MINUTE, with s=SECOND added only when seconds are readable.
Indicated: h=9 m=26 s=7
